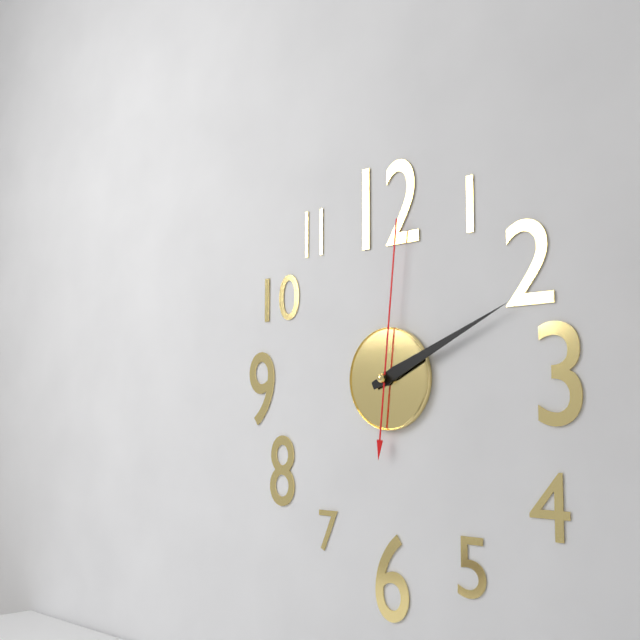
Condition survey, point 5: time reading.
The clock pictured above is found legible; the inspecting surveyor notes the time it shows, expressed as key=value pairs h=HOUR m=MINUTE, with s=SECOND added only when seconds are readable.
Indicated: h=2 m=11 s=1
